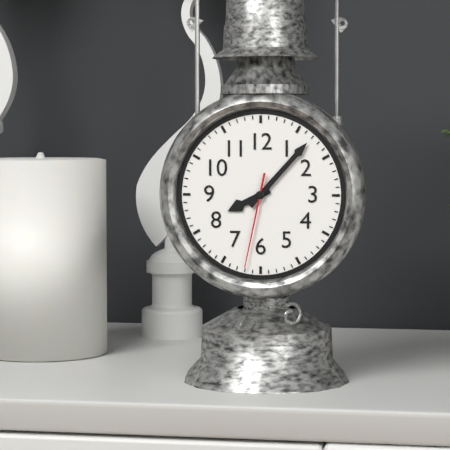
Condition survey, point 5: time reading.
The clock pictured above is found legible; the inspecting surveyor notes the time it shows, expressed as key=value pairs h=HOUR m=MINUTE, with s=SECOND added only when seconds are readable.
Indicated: h=8 m=7 s=32
